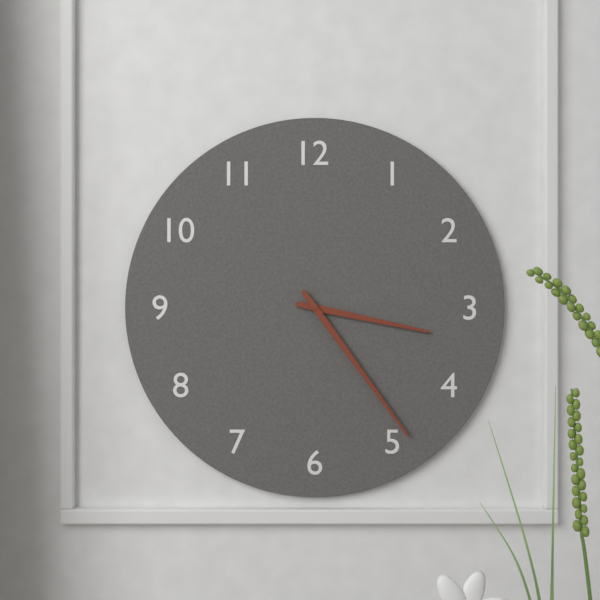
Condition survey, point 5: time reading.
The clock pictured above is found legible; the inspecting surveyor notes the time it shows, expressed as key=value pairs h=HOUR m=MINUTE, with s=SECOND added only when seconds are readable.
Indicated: h=3 m=24
